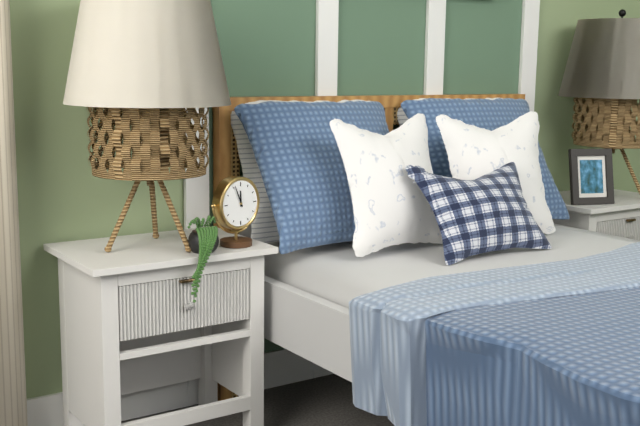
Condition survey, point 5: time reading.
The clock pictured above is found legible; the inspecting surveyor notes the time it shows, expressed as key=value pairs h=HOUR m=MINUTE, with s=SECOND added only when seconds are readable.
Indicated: h=11 m=56
